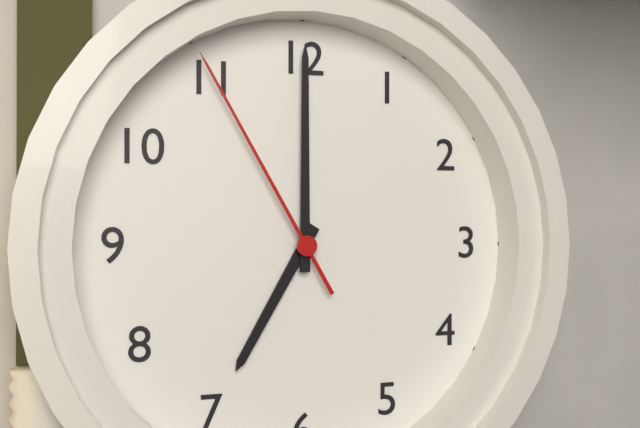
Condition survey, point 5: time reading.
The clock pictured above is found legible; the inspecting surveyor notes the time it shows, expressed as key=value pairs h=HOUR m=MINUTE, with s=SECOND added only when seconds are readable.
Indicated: h=7 m=0 s=55
